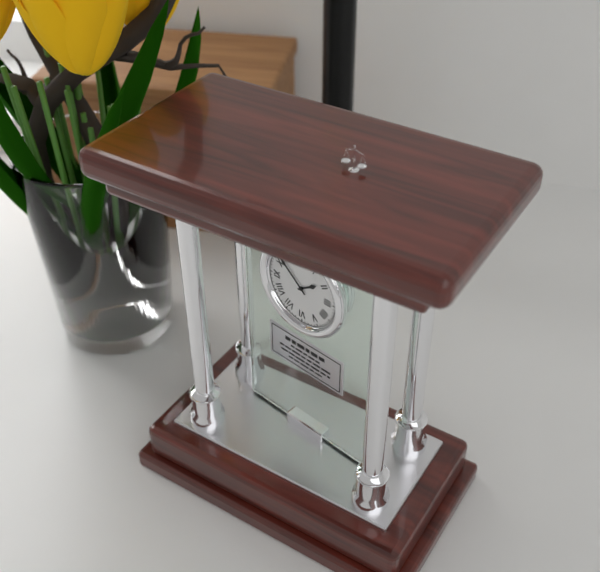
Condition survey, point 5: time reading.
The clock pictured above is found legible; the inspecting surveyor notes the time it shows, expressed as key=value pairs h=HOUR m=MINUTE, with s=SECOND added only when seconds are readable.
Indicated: h=1 m=52
